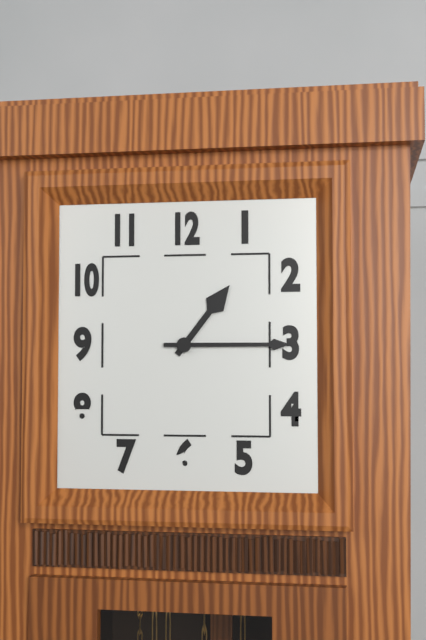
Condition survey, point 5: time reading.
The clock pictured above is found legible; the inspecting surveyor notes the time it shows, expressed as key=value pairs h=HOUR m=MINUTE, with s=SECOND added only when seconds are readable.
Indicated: h=1 m=15
